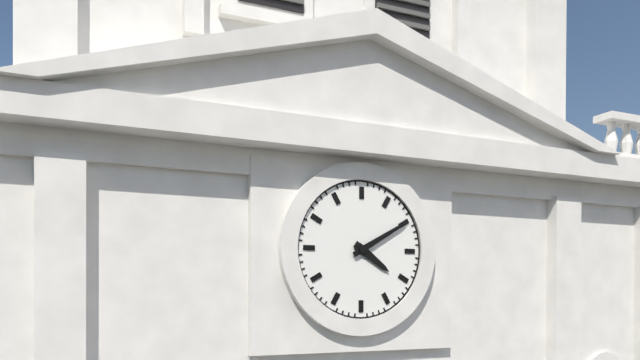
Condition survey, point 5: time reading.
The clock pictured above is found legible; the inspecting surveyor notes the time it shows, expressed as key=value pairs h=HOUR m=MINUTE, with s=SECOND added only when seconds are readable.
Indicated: h=4 m=10
